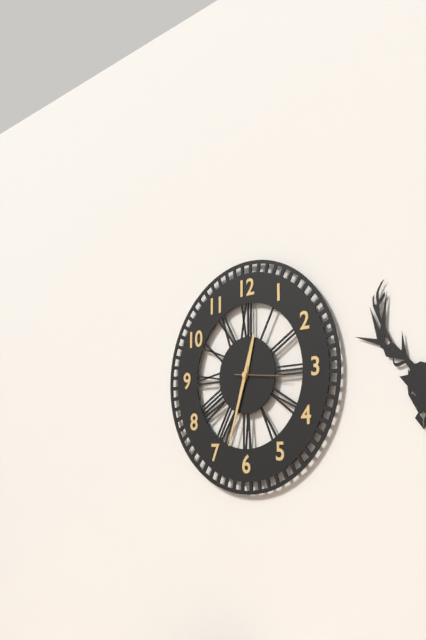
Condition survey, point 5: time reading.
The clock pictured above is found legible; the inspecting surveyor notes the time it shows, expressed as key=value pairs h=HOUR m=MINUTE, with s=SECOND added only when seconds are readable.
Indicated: h=12 m=33
